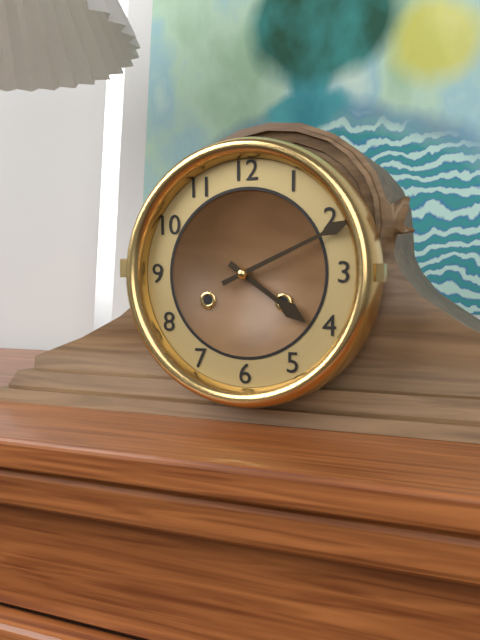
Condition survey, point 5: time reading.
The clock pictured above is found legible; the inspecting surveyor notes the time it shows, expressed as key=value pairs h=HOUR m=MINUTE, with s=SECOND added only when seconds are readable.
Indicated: h=4 m=11
